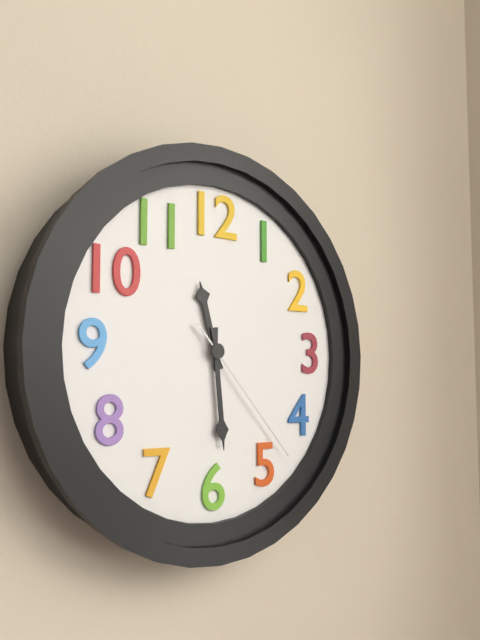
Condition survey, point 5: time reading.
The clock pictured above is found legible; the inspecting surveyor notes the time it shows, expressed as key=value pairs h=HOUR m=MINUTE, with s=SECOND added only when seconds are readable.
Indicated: h=11 m=29 s=23
